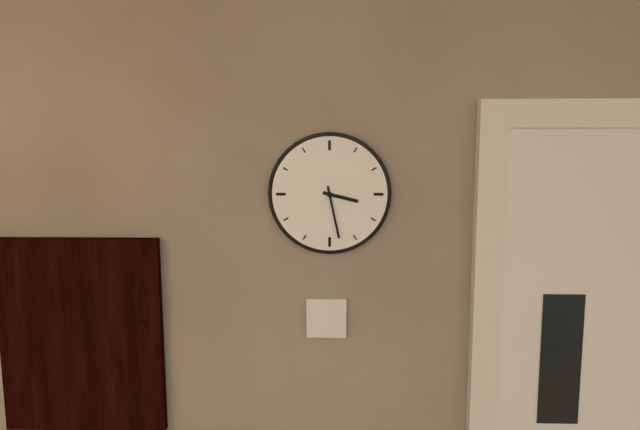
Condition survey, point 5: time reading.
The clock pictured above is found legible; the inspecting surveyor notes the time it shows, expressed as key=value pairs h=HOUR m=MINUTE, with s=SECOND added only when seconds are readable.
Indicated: h=3 m=28
